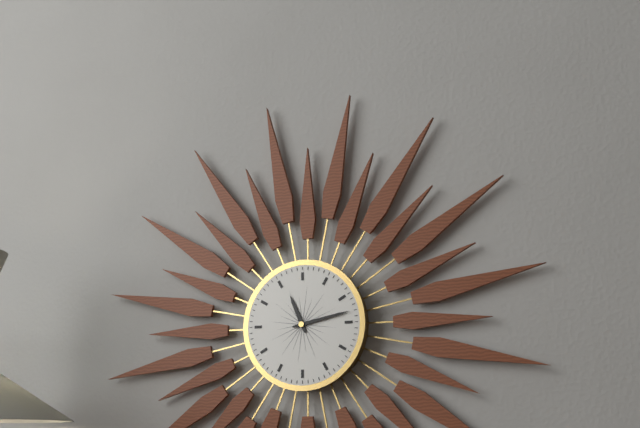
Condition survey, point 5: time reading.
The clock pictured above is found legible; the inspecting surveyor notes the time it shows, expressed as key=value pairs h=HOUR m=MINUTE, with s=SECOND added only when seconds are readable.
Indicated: h=11 m=13
